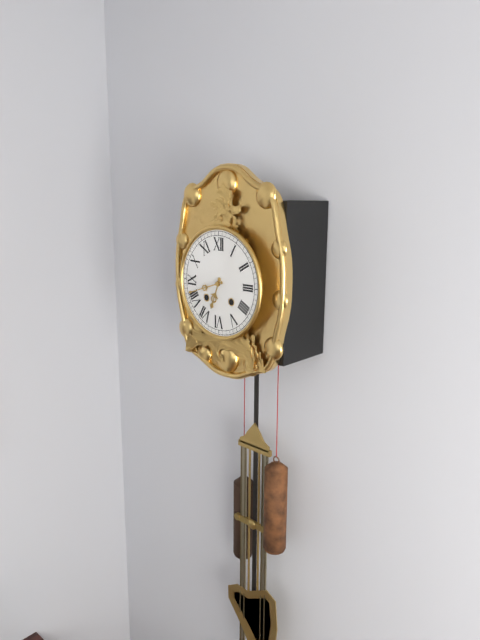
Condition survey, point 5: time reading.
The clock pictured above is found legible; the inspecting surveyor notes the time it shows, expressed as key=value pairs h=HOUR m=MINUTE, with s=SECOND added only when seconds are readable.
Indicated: h=6 m=42
